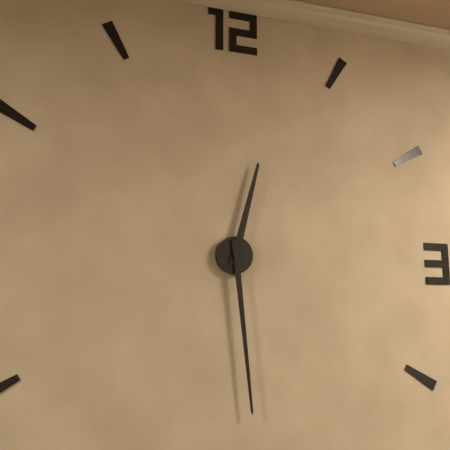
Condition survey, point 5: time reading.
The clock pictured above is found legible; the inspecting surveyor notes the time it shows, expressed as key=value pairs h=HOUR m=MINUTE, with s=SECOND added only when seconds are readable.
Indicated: h=12 m=29
